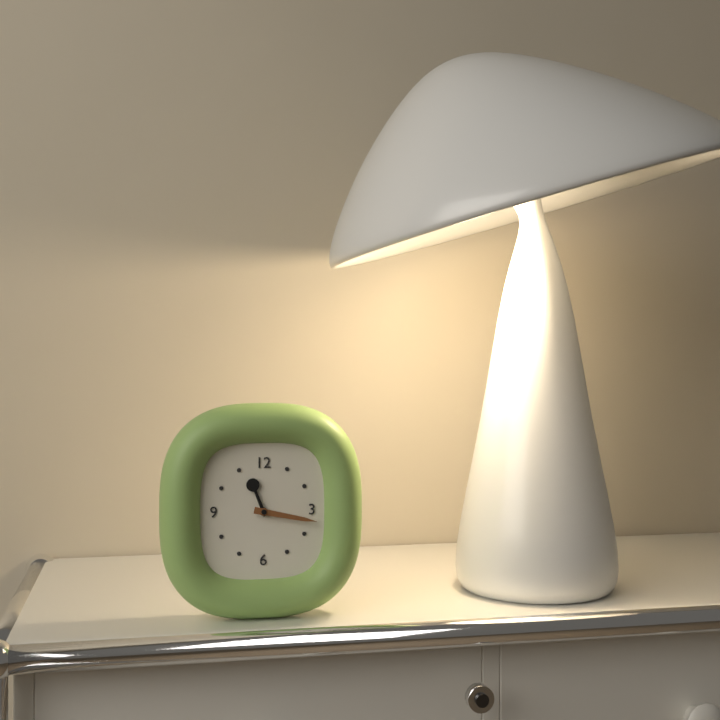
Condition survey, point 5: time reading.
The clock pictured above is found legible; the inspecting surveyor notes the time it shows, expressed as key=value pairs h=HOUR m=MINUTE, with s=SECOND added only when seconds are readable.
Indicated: h=11 m=17
